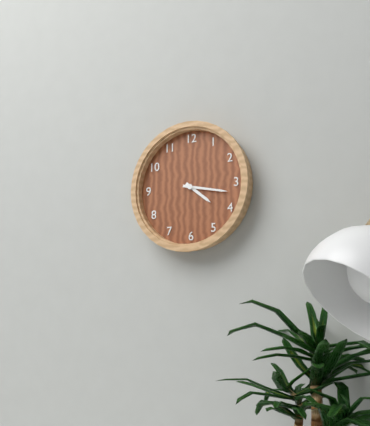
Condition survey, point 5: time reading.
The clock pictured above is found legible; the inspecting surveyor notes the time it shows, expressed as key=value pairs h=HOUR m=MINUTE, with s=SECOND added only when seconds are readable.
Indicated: h=4 m=17
